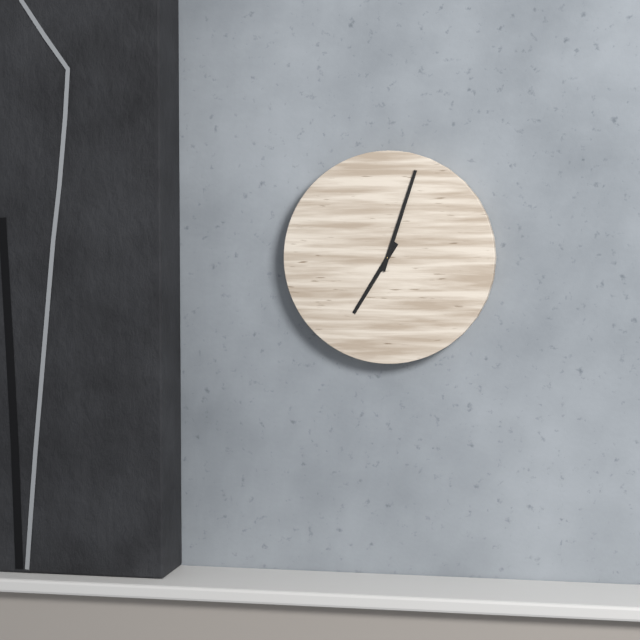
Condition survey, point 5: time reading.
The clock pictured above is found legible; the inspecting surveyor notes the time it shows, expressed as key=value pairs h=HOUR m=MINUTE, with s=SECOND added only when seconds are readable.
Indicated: h=7 m=3
